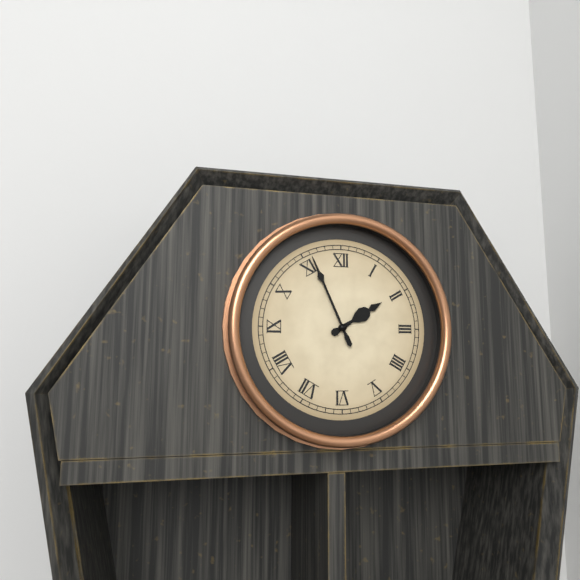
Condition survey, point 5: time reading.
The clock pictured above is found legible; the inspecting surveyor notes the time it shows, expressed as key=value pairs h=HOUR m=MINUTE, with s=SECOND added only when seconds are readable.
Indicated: h=1 m=56
